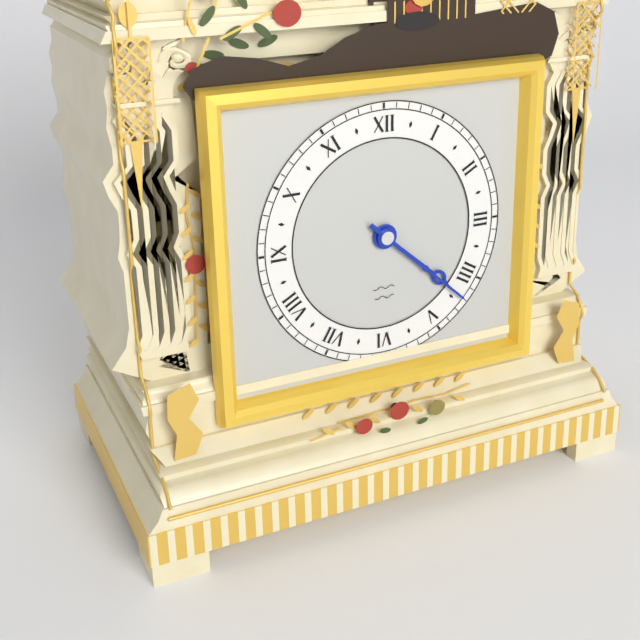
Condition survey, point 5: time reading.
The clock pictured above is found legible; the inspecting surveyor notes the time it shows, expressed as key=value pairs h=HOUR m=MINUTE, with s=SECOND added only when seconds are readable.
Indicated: h=4 m=22
